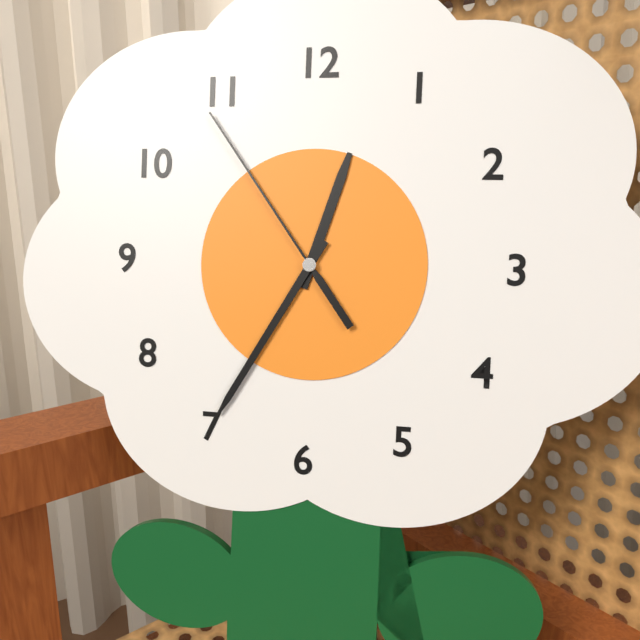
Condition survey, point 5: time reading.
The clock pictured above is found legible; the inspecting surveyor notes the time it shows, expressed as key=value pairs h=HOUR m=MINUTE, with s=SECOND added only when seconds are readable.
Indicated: h=12 m=35 s=54
